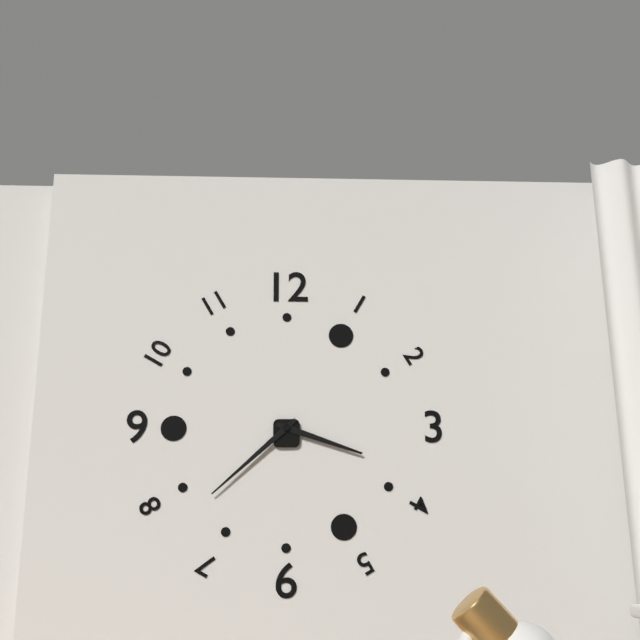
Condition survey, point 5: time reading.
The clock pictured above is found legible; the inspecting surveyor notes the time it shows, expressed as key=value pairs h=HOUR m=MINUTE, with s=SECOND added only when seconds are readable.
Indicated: h=3 m=38
